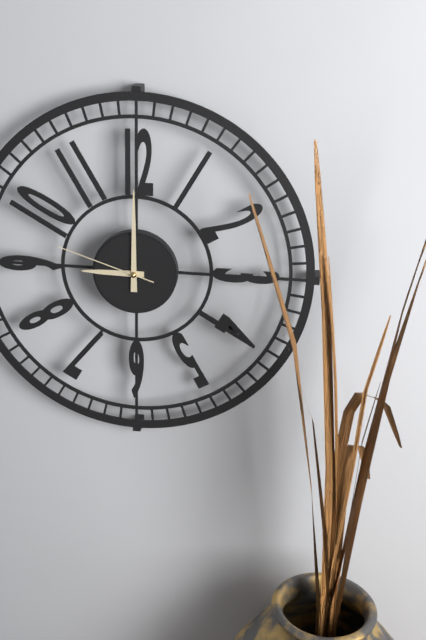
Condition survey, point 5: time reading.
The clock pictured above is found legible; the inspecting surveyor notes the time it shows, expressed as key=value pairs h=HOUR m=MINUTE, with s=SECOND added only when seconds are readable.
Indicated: h=9 m=0 s=48
